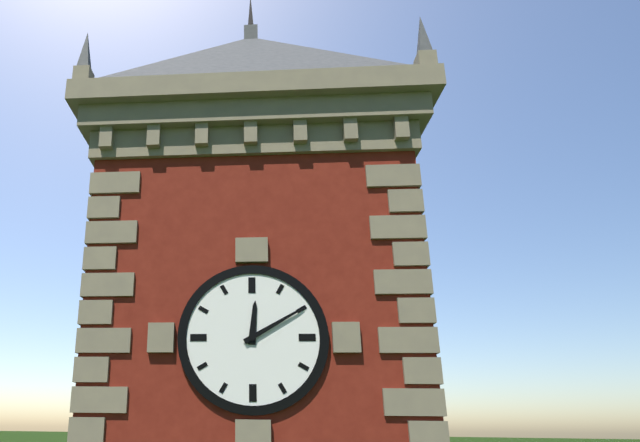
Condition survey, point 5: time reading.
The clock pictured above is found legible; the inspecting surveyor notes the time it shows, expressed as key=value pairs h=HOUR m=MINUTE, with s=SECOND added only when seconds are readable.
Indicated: h=12 m=10
